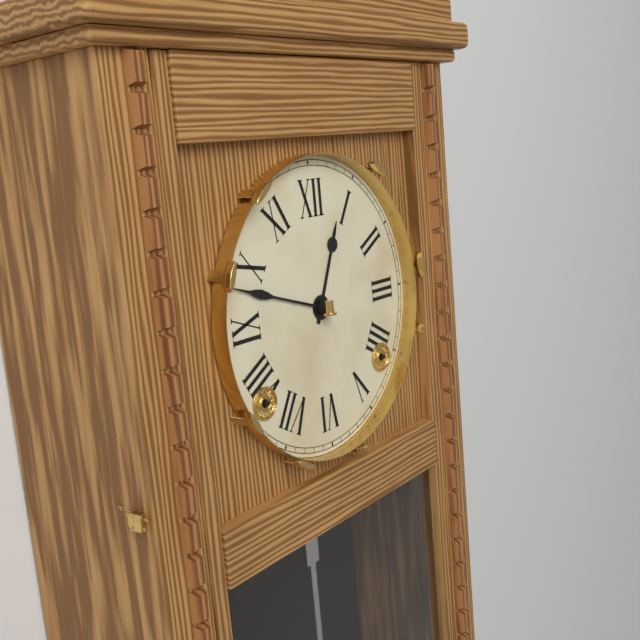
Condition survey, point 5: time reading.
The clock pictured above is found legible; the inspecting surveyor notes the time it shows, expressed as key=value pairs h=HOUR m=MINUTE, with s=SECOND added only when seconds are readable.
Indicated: h=12 m=48
